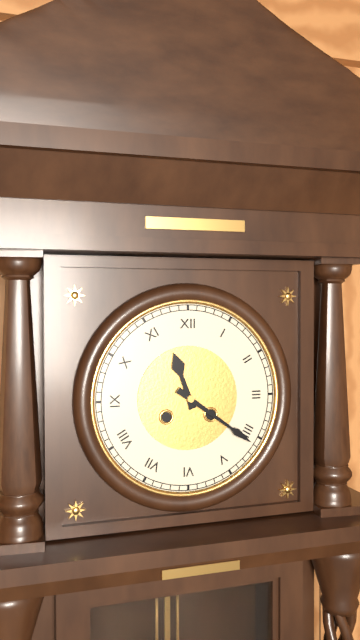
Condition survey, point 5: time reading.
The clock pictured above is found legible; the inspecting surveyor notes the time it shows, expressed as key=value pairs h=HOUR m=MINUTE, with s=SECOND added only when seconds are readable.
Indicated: h=11 m=21
